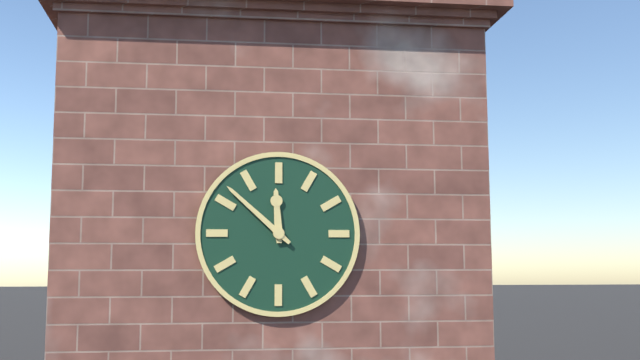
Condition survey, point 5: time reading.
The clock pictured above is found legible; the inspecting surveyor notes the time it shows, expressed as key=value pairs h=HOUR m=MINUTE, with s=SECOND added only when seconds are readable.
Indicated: h=11 m=52
